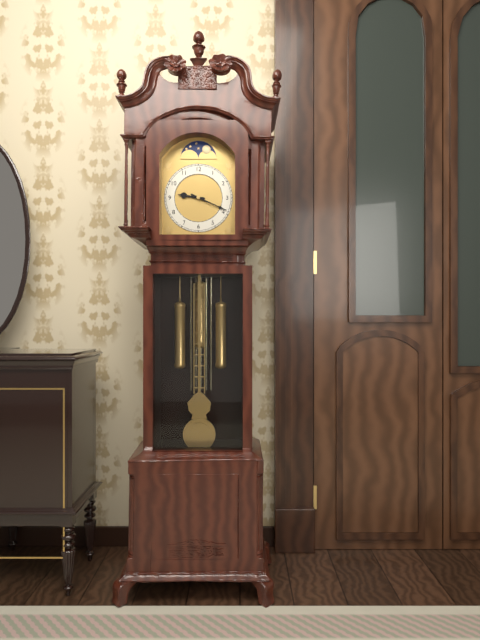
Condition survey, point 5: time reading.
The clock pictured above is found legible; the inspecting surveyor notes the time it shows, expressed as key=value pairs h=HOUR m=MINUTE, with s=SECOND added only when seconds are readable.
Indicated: h=9 m=19
